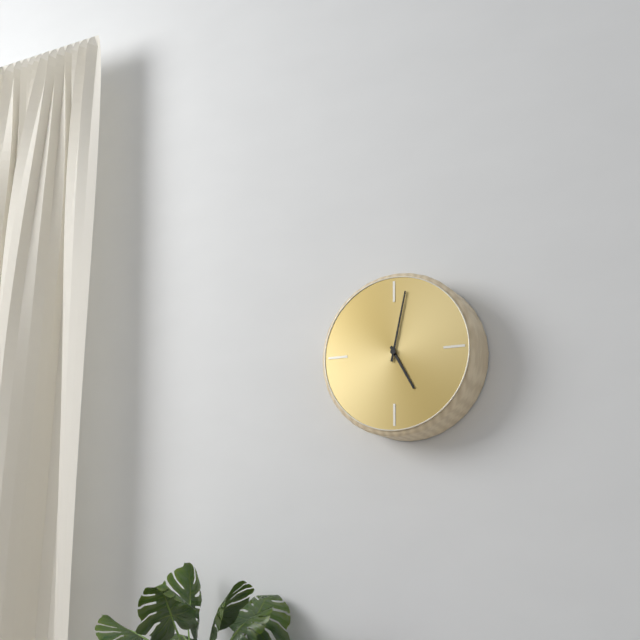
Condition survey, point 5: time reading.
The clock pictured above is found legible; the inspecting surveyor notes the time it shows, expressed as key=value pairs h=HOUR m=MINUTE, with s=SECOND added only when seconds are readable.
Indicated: h=5 m=2
